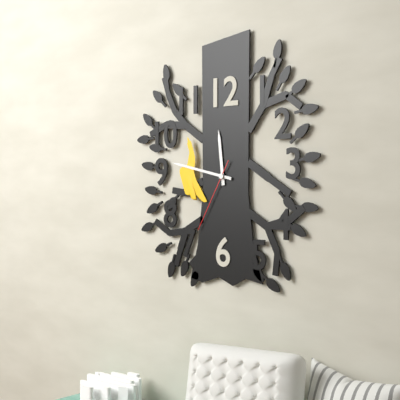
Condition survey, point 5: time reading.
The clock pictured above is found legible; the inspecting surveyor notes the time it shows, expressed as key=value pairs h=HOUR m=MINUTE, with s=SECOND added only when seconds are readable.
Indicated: h=11 m=47 s=35
